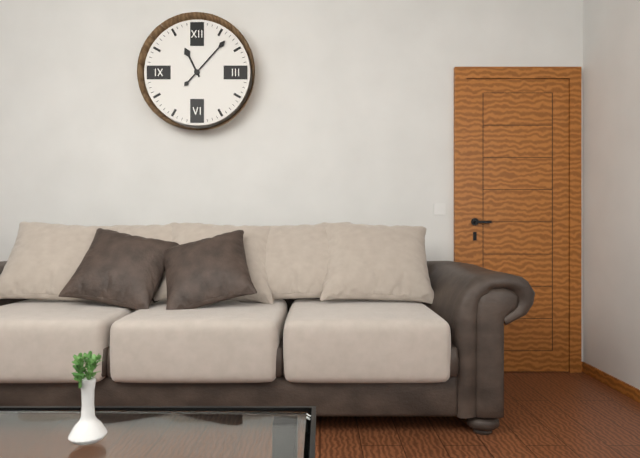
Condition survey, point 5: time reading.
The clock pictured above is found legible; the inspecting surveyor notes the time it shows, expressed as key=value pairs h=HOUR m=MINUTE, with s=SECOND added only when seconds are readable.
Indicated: h=11 m=7
